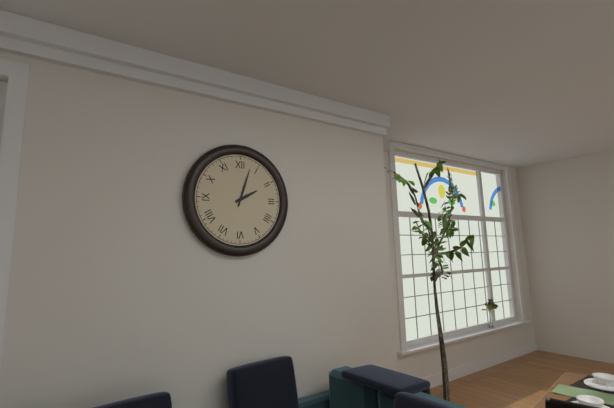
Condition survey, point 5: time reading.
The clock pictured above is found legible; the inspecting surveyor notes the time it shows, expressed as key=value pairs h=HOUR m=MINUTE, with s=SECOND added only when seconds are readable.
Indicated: h=2 m=3
